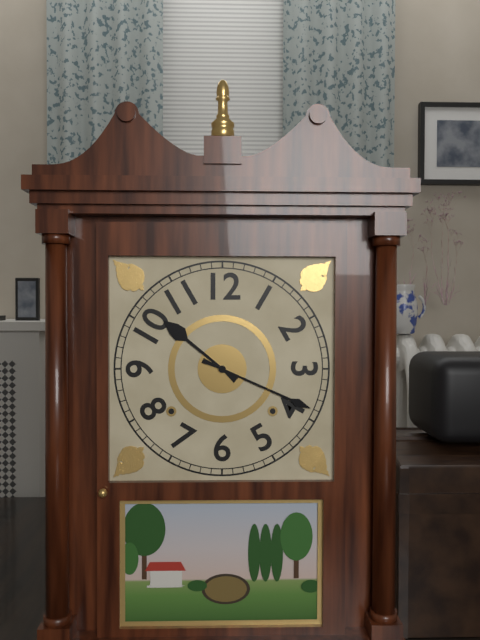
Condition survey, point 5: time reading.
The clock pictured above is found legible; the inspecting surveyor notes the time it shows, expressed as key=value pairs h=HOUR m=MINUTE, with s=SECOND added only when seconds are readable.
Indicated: h=10 m=19
